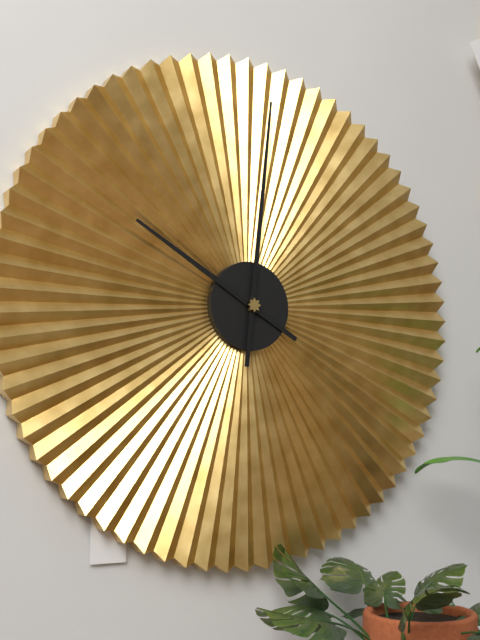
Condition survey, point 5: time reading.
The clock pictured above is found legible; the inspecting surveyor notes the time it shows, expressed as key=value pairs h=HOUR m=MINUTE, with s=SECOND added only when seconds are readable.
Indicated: h=10 m=1
